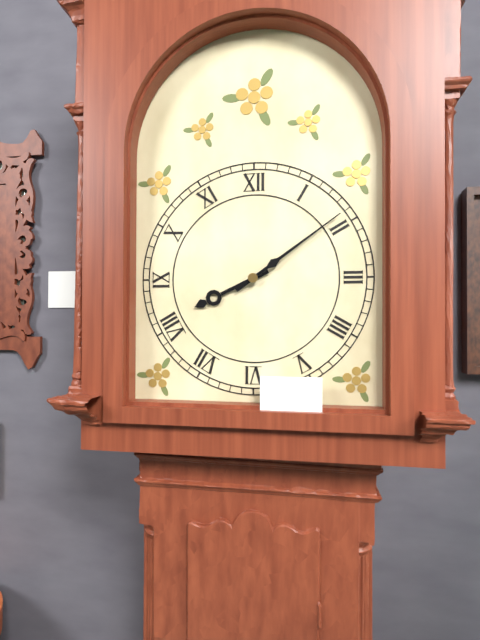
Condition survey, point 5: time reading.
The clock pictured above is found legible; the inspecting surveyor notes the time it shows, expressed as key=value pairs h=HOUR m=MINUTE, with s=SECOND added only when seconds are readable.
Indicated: h=8 m=9
